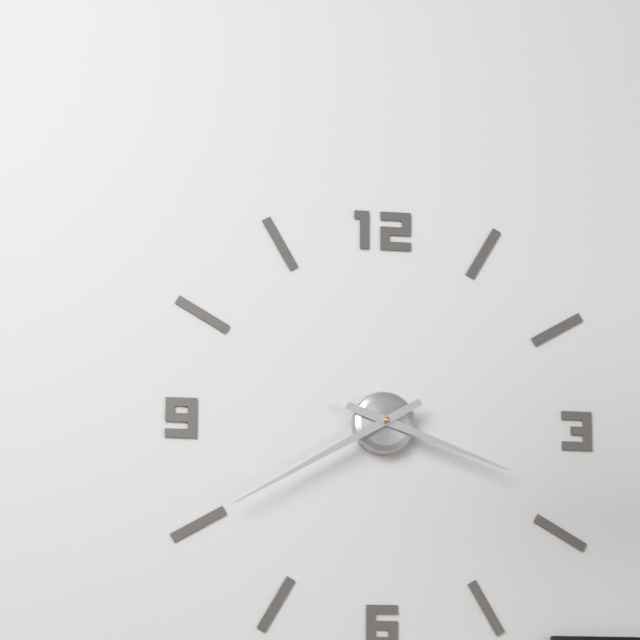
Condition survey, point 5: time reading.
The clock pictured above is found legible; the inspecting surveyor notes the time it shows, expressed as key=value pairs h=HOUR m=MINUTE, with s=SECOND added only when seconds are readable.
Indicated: h=3 m=40
